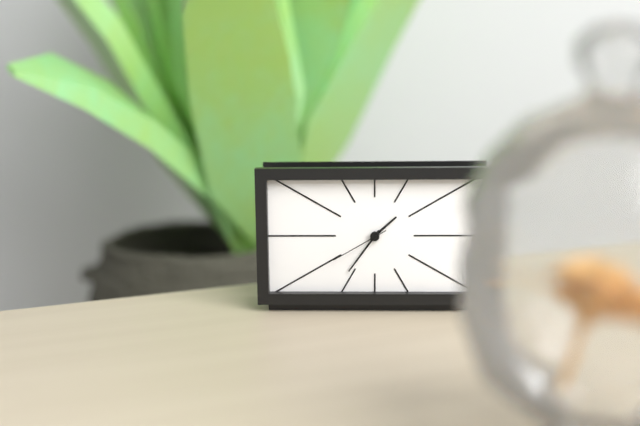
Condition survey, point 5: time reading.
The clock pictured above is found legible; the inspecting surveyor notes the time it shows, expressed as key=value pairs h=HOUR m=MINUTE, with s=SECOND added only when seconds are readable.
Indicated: h=1 m=36 s=40
